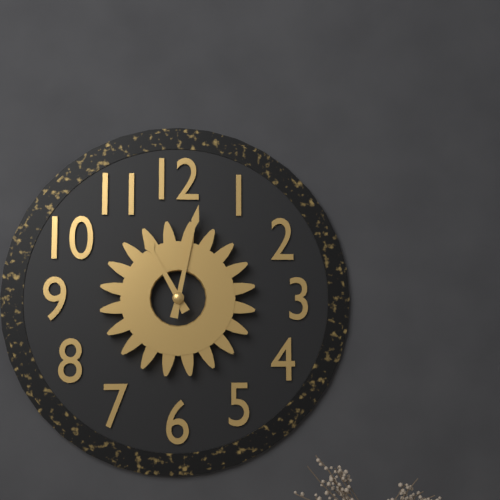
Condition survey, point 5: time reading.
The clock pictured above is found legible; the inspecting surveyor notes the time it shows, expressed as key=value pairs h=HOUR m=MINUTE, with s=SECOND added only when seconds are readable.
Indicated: h=11 m=2
